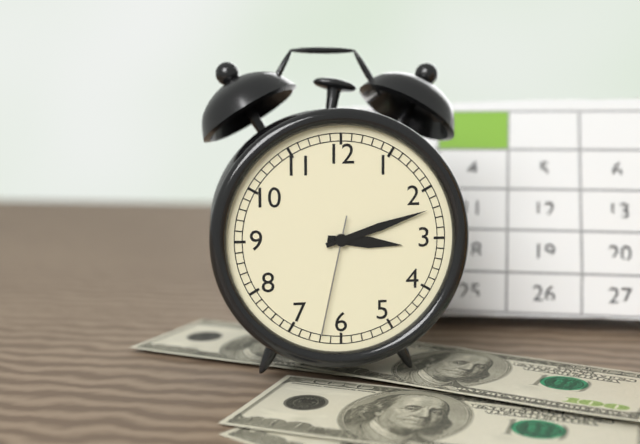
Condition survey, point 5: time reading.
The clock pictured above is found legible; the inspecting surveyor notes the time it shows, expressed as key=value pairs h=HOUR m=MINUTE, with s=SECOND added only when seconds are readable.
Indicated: h=3 m=12 s=32
